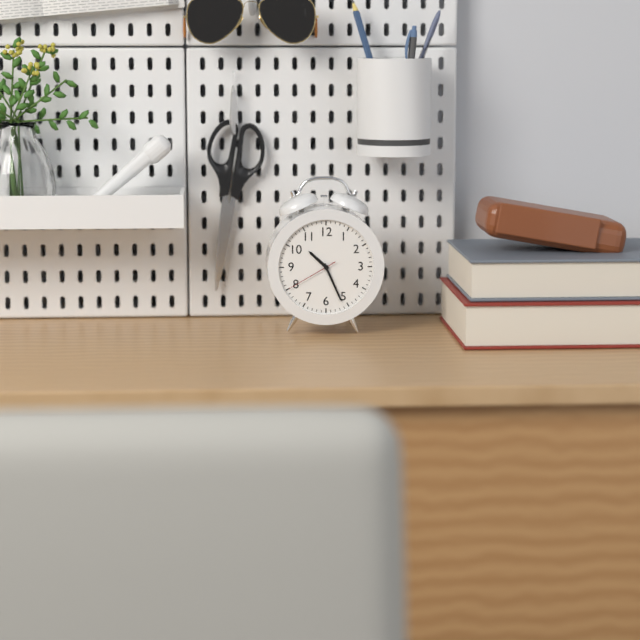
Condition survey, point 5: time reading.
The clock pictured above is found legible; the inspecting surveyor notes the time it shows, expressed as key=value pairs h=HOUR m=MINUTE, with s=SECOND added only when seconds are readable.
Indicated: h=10 m=26 s=40
